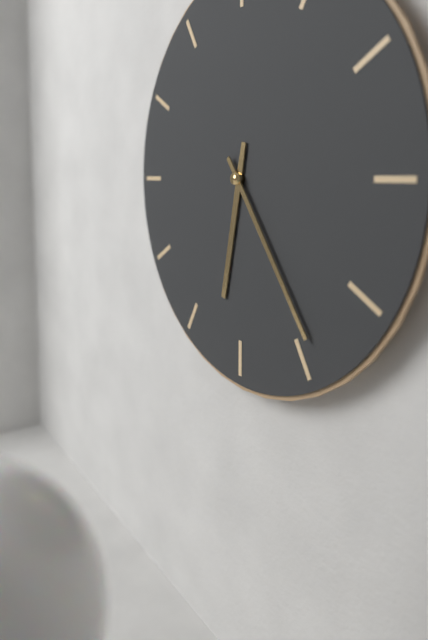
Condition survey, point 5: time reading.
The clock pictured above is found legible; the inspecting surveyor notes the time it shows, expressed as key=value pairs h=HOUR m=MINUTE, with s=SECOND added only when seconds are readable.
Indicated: h=6 m=24
